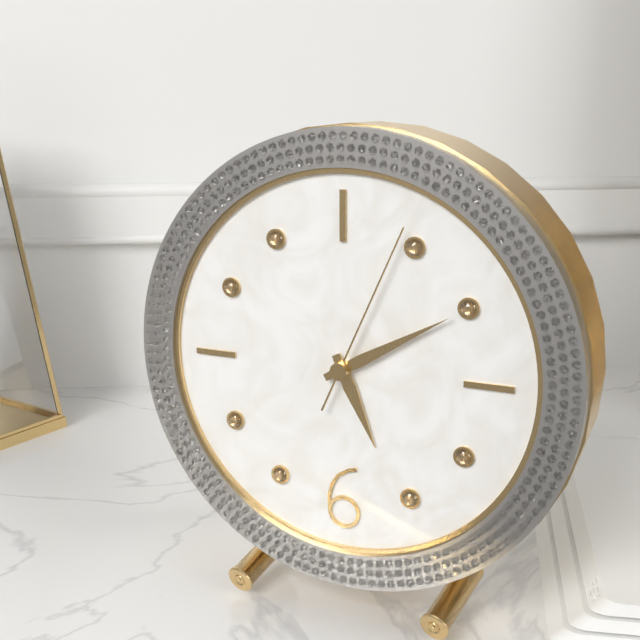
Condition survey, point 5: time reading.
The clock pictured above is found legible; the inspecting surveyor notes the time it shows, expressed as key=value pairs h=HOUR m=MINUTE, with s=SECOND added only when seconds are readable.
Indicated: h=5 m=10 s=4
